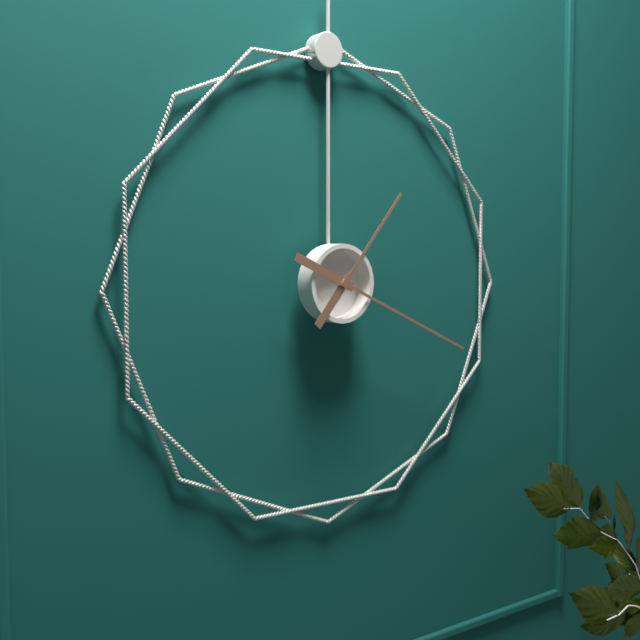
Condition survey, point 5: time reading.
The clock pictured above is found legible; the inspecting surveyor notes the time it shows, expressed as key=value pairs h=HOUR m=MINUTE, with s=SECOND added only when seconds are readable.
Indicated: h=1 m=19
